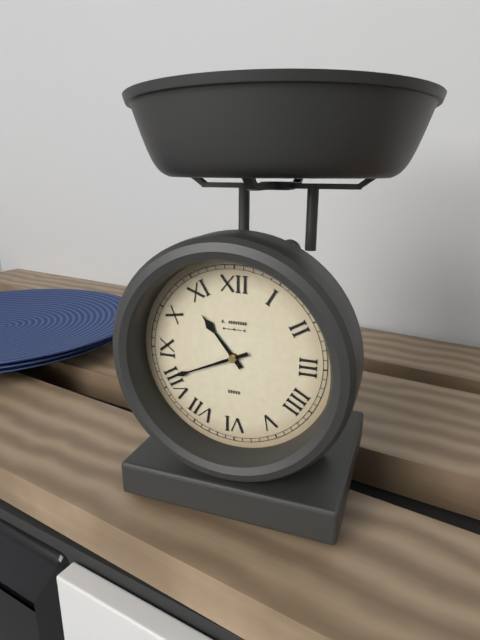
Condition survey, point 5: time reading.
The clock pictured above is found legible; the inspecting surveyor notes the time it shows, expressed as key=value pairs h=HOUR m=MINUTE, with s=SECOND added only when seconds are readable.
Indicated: h=10 m=41
